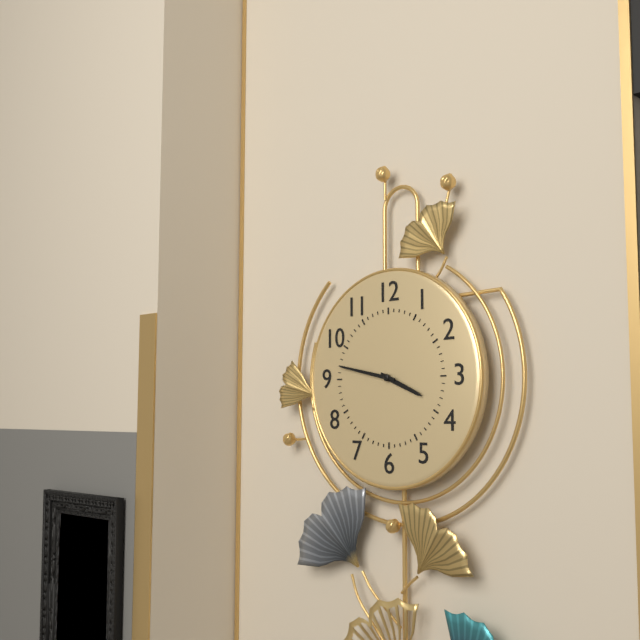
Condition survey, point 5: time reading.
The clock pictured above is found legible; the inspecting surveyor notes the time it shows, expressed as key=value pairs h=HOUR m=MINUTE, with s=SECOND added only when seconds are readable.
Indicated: h=3 m=47
